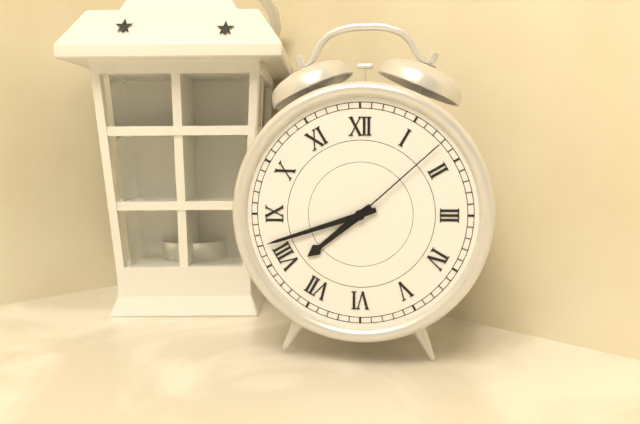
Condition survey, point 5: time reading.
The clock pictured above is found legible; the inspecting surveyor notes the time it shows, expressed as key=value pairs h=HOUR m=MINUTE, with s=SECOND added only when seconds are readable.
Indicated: h=7 m=42 s=8
